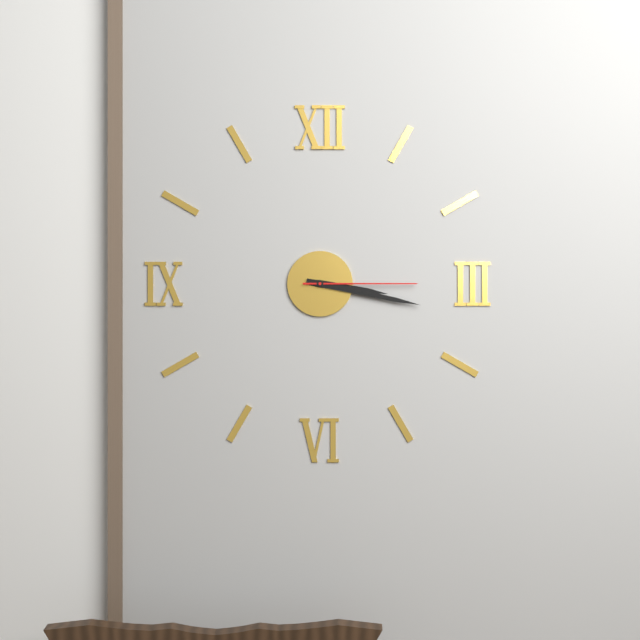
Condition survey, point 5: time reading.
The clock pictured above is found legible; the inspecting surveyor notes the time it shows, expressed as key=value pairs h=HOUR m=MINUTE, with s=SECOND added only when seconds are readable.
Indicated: h=3 m=17 s=15
